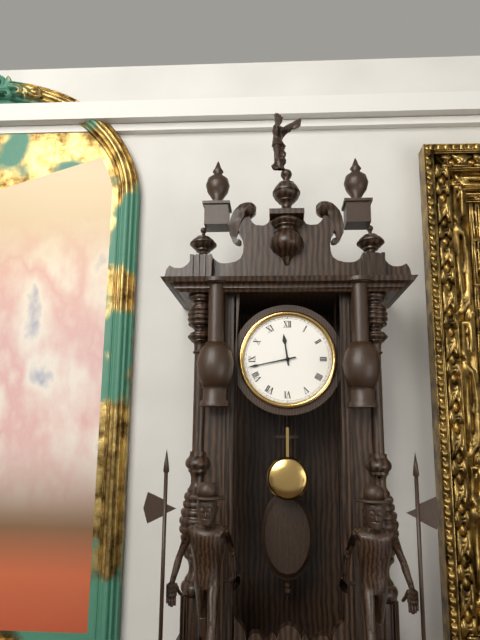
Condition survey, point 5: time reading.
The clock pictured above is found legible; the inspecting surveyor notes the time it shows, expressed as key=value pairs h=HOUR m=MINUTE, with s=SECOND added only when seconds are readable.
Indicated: h=11 m=43
